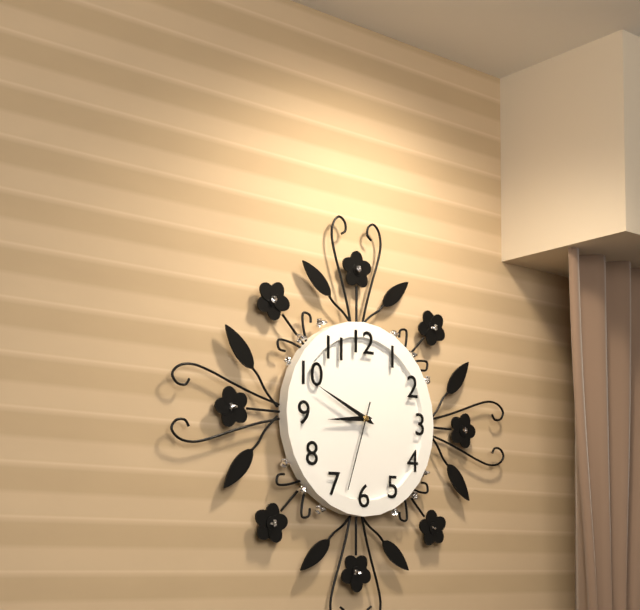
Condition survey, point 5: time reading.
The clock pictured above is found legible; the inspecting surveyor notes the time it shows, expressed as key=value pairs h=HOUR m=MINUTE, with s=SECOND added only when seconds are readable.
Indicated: h=8 m=49 s=33
